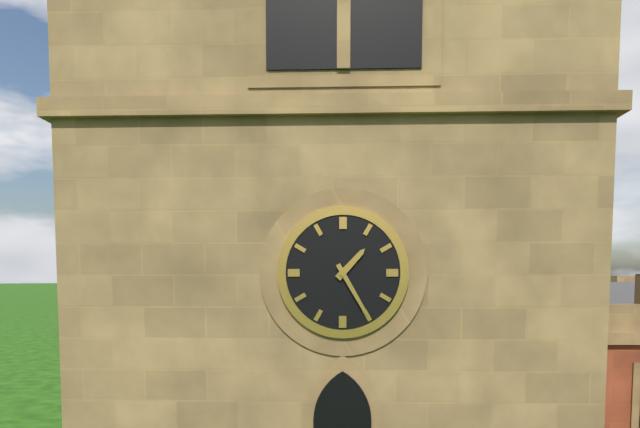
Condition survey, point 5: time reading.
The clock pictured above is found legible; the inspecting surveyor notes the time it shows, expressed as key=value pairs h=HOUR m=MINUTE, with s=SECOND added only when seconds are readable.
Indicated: h=1 m=25
